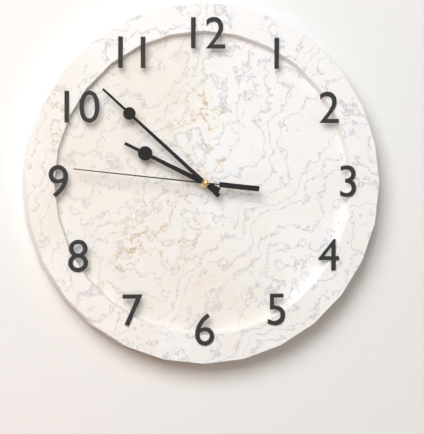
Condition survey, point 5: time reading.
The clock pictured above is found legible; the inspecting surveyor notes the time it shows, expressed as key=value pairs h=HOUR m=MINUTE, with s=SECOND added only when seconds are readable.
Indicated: h=9 m=52 s=46
